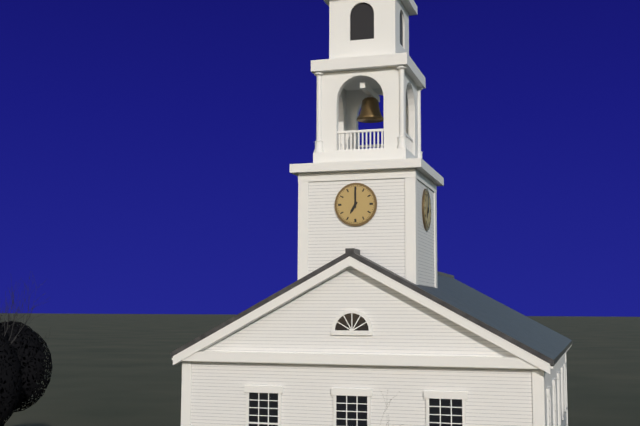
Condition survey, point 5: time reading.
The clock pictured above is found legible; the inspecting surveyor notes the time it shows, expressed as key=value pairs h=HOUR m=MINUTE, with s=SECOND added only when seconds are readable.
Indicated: h=7 m=0
